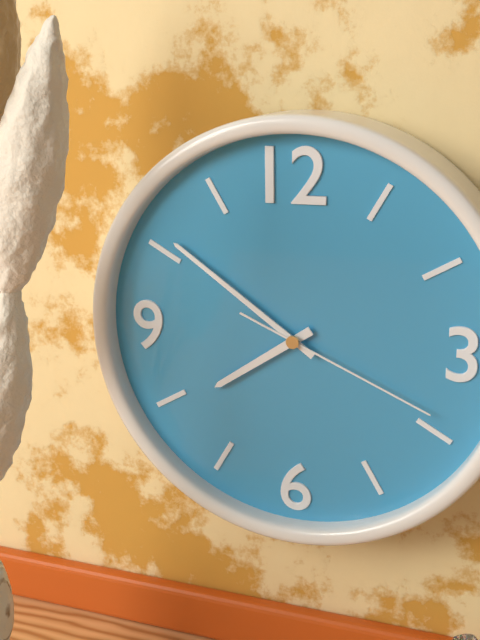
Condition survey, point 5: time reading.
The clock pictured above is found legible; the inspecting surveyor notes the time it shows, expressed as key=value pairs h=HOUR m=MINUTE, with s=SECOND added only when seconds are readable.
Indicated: h=7 m=51 s=19
